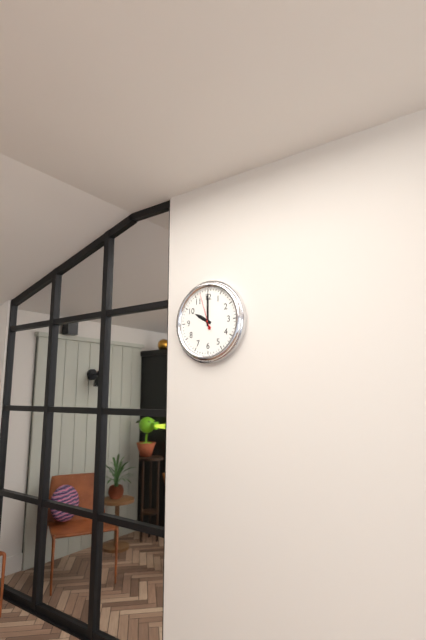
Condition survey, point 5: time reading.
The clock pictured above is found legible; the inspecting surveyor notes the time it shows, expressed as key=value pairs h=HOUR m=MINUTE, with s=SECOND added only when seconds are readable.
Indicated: h=10 m=0
